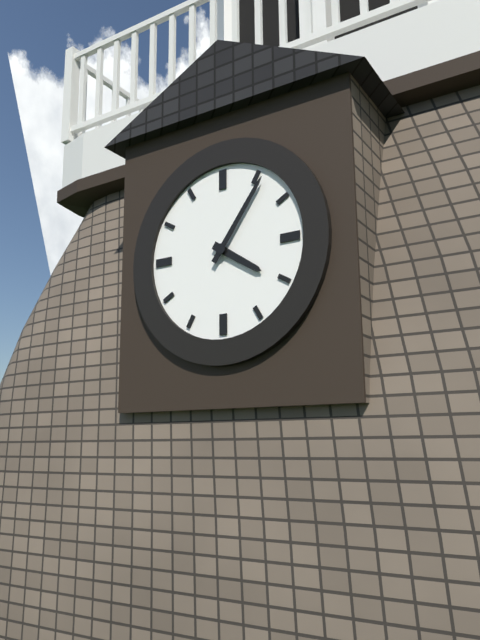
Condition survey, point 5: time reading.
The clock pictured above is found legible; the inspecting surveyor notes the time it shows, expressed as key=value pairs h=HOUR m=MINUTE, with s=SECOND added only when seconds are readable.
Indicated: h=4 m=6
